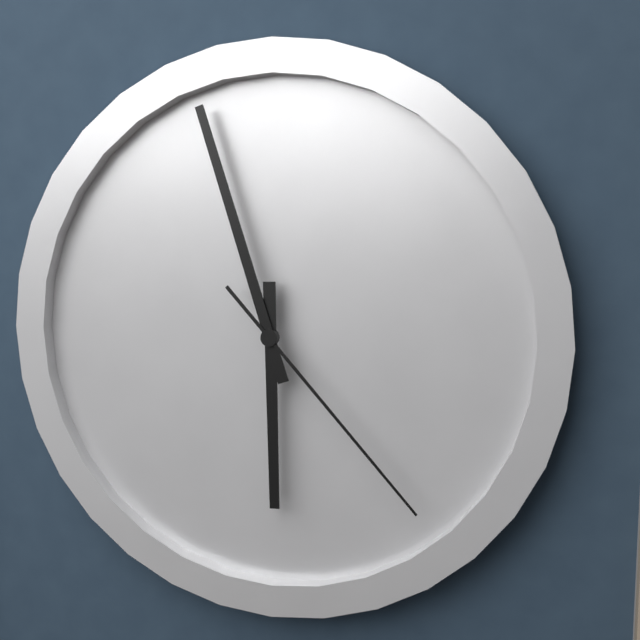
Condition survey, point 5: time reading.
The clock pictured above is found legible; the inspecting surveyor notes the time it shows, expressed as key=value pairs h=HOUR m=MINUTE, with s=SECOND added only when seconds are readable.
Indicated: h=5 m=57 s=23
